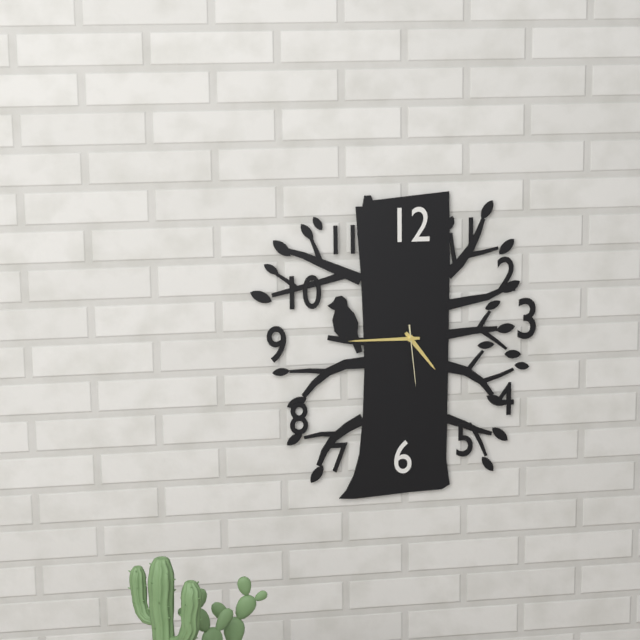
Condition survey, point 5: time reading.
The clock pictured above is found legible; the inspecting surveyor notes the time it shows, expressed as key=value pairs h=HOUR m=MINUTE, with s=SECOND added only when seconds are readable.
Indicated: h=4 m=45 s=29
